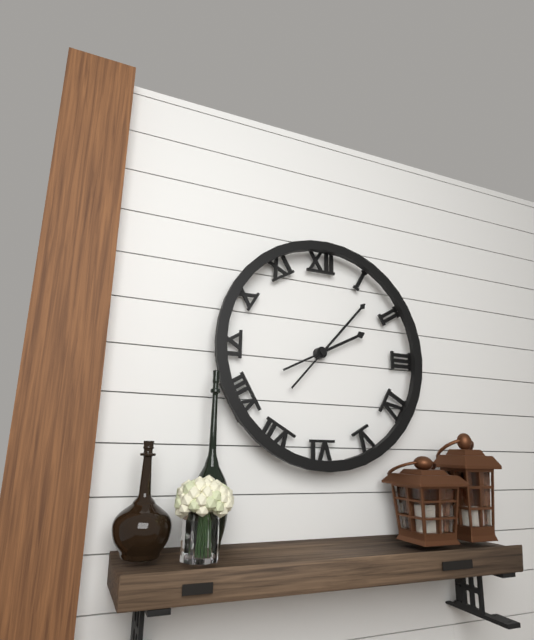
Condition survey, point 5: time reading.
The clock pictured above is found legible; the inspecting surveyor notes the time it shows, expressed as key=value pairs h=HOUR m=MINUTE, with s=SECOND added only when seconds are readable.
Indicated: h=2 m=7
